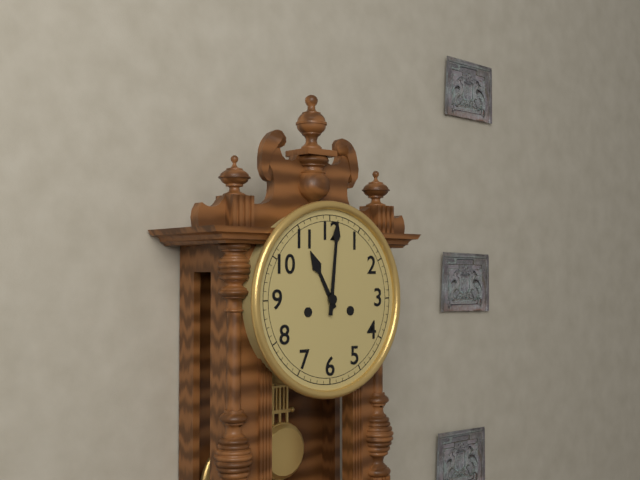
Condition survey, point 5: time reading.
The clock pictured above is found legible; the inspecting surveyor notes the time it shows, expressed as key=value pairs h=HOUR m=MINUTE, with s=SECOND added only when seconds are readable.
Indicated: h=11 m=1
